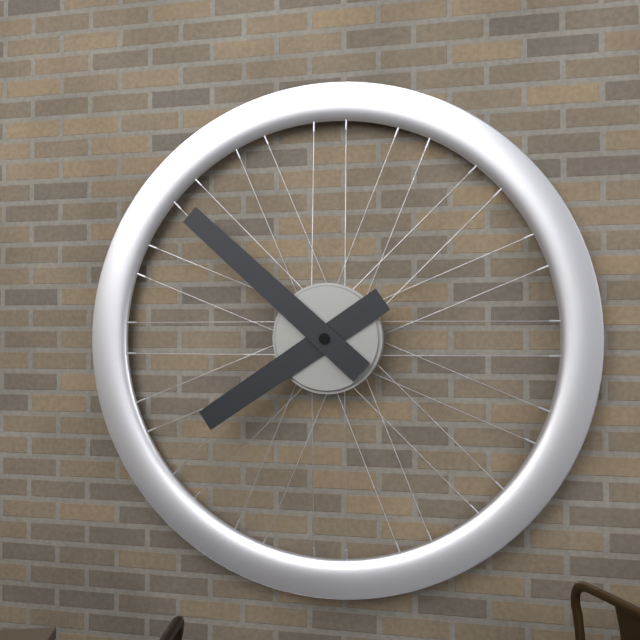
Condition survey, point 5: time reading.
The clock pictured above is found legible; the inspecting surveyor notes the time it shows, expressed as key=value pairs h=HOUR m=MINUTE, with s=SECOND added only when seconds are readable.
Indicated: h=7 m=52
